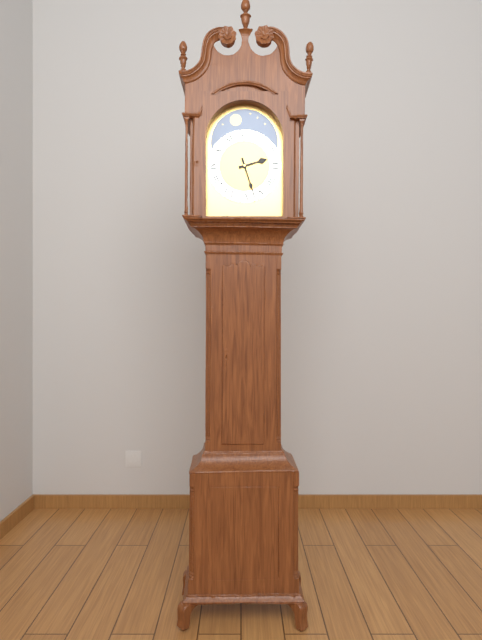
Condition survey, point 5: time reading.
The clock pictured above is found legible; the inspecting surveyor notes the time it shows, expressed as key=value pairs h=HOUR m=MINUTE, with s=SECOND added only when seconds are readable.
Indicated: h=2 m=27
